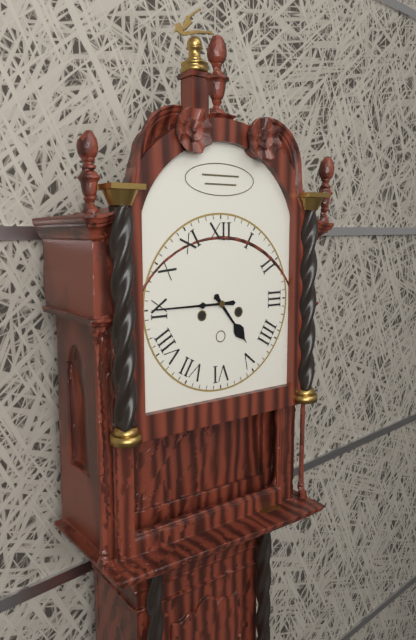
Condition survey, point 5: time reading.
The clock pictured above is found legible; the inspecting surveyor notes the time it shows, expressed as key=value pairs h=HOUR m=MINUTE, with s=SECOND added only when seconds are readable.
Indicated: h=4 m=45
